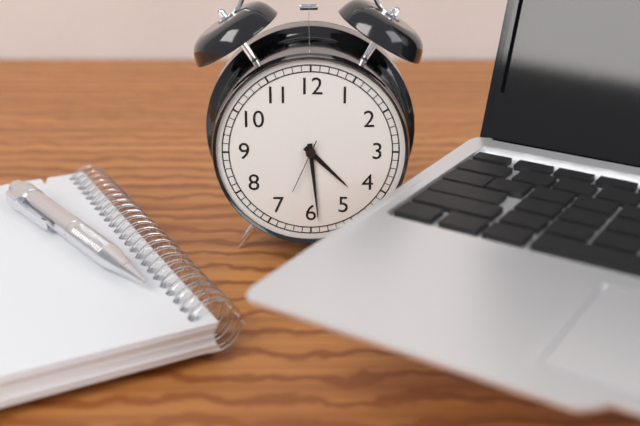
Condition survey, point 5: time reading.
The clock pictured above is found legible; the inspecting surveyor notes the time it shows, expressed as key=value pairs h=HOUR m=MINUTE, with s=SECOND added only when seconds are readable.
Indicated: h=4 m=29 s=34
